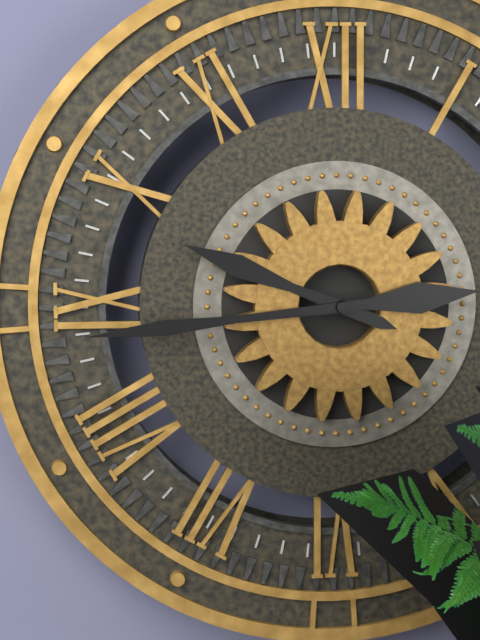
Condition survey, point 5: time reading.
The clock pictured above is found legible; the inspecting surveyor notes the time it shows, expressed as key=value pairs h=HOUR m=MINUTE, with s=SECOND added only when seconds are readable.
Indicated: h=9 m=44
